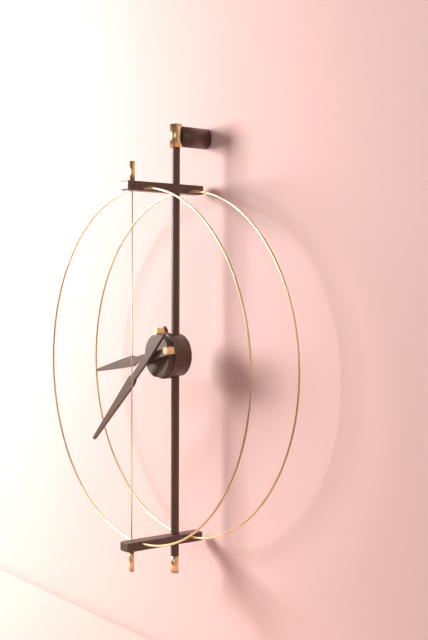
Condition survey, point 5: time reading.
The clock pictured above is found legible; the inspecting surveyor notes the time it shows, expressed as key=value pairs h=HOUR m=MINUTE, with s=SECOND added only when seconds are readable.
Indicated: h=8 m=38
